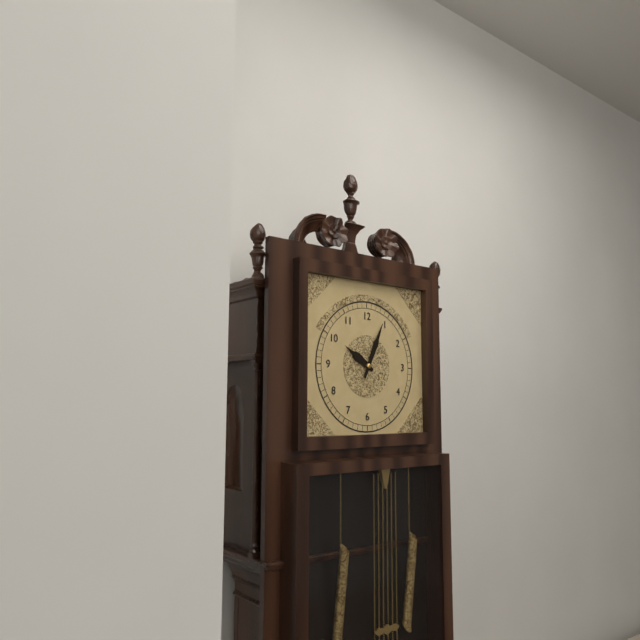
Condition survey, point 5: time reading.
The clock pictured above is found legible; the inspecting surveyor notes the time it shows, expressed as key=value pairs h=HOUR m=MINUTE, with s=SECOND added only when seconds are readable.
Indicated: h=10 m=4
